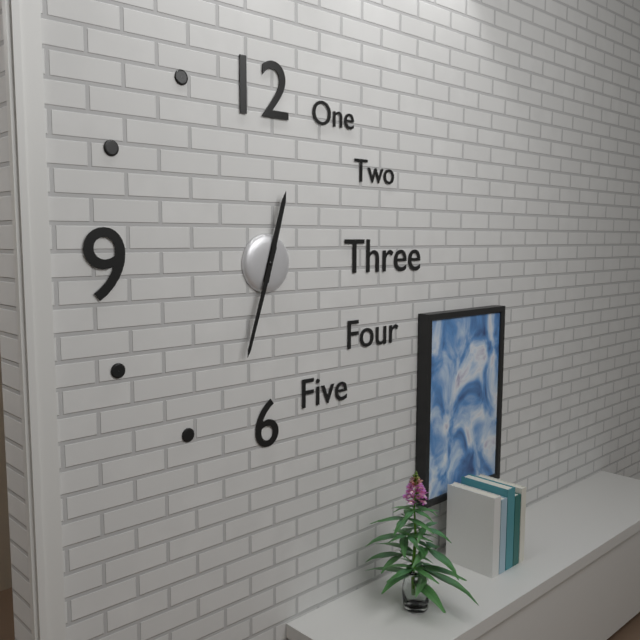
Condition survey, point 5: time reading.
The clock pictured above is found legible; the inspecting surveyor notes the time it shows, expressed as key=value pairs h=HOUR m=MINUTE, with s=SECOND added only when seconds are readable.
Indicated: h=12 m=33
